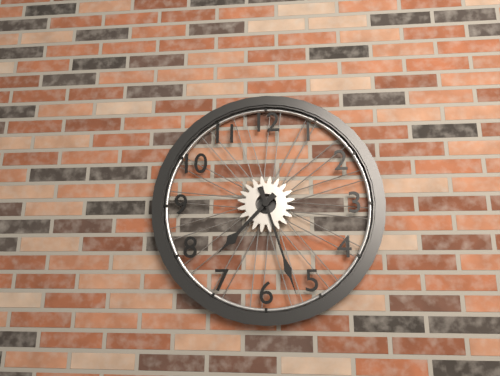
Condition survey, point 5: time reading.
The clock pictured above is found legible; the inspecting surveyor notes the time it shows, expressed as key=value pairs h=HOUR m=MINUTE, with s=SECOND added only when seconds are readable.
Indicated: h=7 m=27
